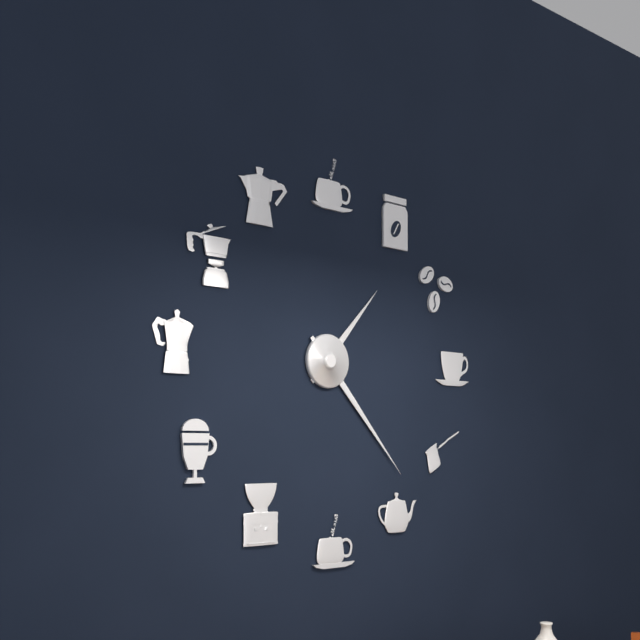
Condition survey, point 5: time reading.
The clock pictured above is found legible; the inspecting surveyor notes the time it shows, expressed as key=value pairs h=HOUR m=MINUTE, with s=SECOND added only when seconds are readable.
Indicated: h=1 m=23
